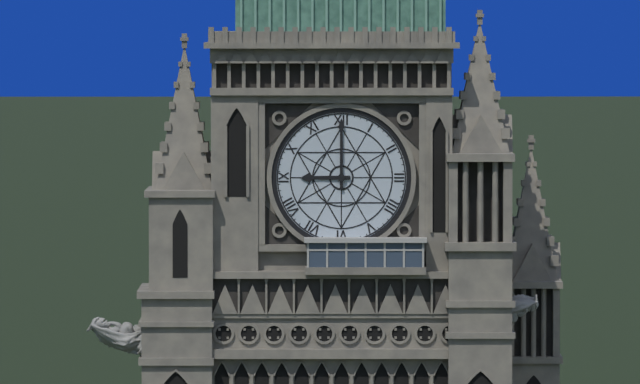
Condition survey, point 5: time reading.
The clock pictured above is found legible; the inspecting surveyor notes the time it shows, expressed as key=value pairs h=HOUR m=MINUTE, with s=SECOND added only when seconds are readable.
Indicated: h=9 m=0
